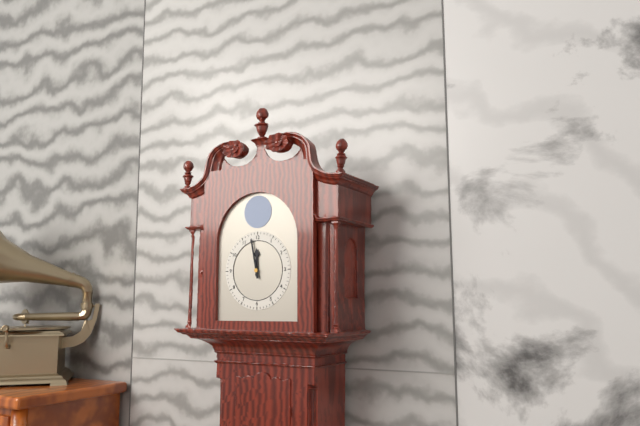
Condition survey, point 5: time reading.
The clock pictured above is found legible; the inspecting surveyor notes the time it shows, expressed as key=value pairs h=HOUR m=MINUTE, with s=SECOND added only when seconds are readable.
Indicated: h=11 m=58
